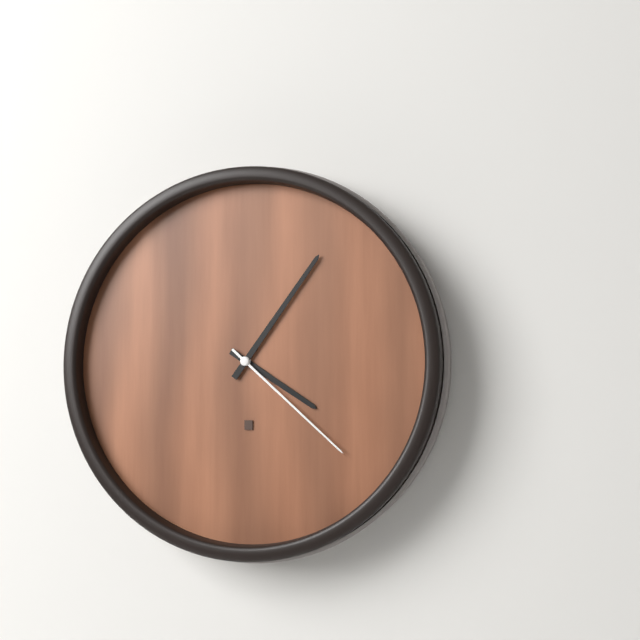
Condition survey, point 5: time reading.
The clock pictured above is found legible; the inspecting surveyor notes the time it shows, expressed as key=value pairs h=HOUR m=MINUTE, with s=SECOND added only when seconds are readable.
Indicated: h=4 m=6 s=22
